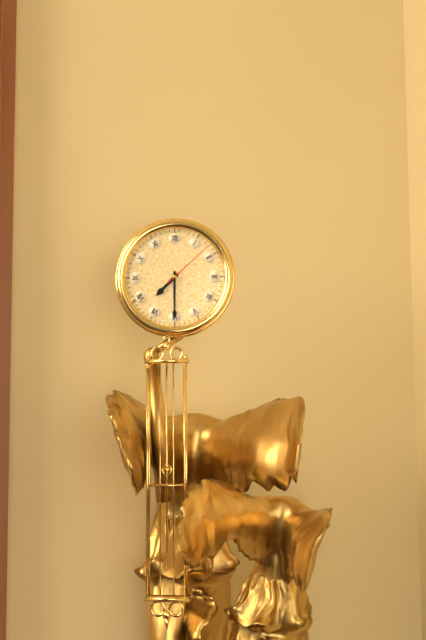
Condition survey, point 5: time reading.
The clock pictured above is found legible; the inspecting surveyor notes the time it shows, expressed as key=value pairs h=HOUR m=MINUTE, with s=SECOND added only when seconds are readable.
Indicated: h=7 m=30 s=8
